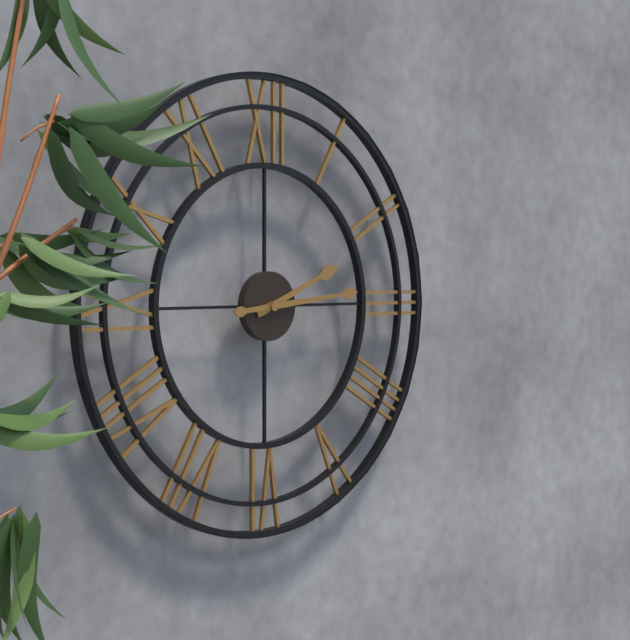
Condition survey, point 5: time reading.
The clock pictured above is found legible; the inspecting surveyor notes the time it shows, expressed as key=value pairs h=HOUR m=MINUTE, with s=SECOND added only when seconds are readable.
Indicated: h=2 m=14
